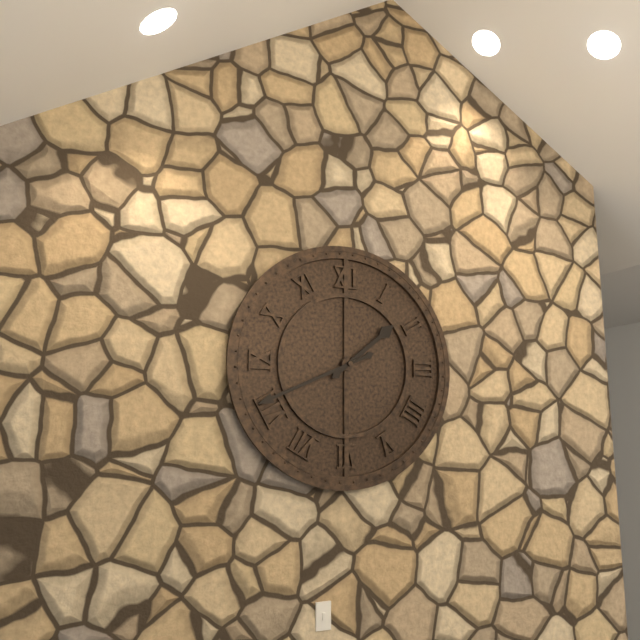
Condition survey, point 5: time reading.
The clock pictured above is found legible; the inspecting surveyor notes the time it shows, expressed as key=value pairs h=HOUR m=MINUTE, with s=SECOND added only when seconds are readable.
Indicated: h=1 m=41
